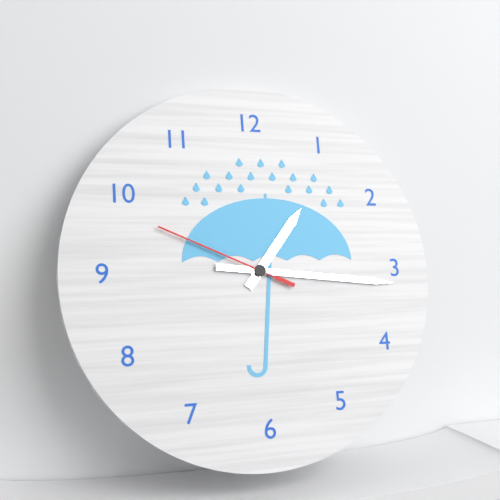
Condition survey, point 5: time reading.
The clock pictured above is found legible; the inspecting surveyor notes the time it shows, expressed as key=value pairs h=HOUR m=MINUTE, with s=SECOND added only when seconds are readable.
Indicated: h=1 m=16 s=49
